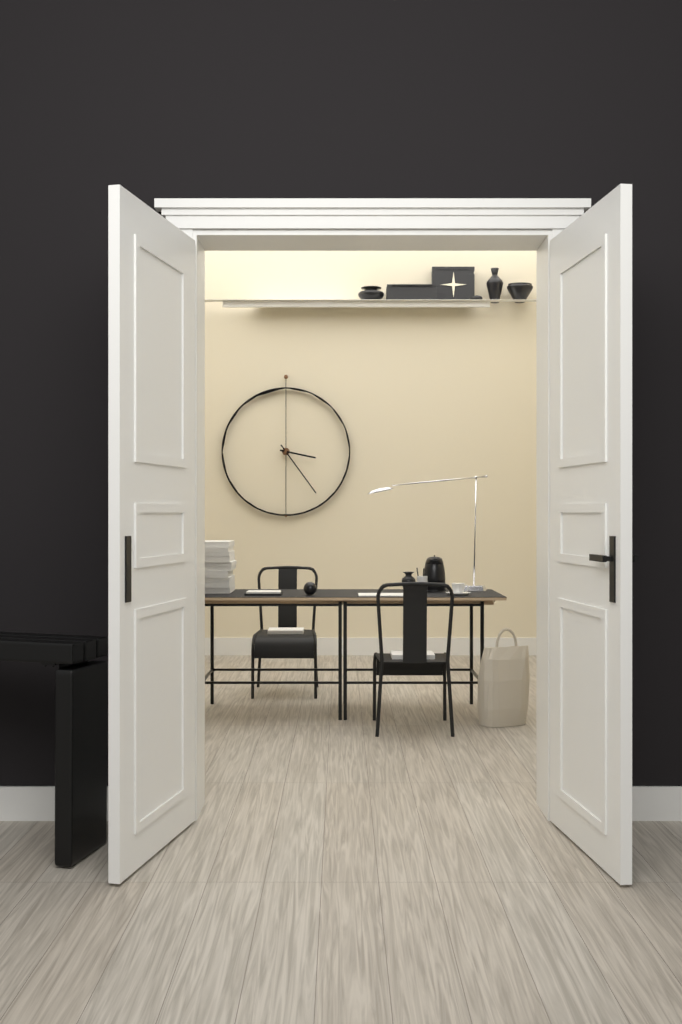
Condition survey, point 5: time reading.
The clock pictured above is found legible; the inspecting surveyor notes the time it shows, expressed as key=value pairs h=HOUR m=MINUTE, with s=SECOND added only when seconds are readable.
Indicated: h=3 m=24
